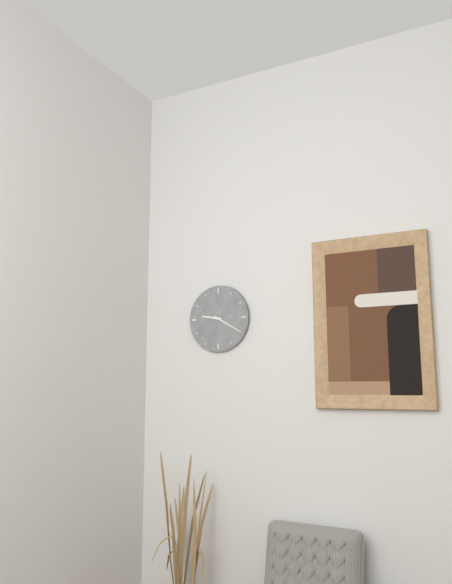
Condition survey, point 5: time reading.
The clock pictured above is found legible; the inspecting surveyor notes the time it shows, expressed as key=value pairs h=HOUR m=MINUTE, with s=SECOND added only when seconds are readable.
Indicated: h=9 m=20
